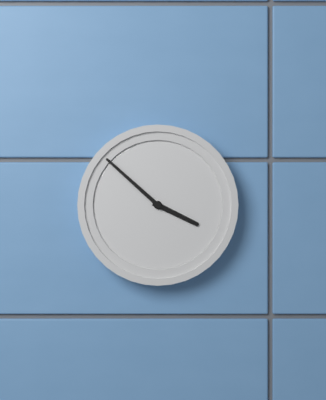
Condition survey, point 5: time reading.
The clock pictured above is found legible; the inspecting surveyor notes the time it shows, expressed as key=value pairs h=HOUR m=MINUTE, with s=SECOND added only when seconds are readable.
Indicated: h=3 m=52
